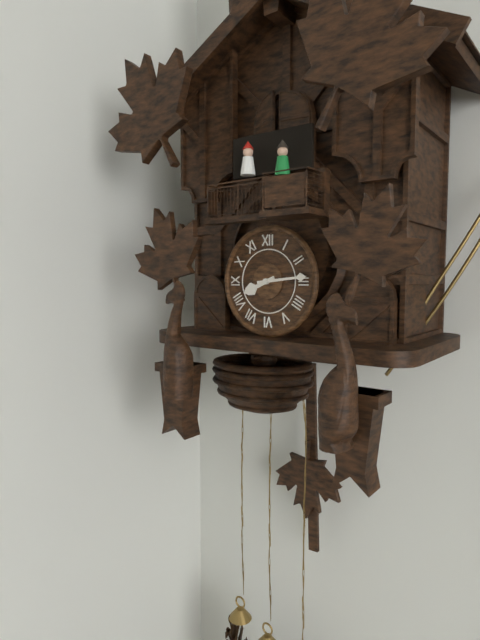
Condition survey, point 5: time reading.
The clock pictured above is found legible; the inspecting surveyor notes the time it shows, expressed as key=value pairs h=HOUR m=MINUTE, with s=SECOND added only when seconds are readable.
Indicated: h=8 m=14
